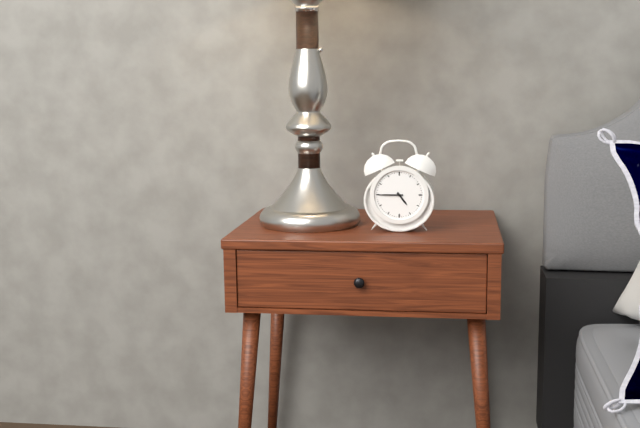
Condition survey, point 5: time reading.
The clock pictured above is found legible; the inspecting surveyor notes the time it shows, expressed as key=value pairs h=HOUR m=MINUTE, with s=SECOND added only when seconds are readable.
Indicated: h=4 m=45
